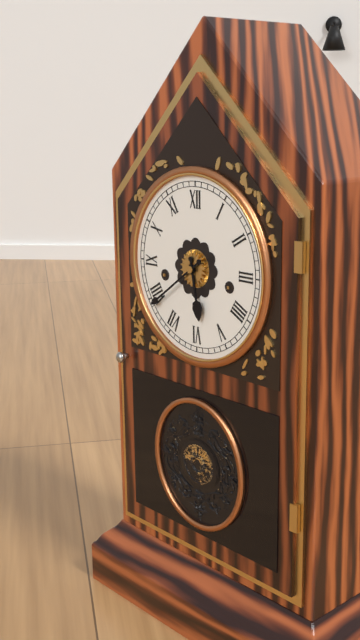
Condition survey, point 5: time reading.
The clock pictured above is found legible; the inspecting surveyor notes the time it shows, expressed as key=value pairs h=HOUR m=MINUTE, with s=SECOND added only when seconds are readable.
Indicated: h=5 m=39
